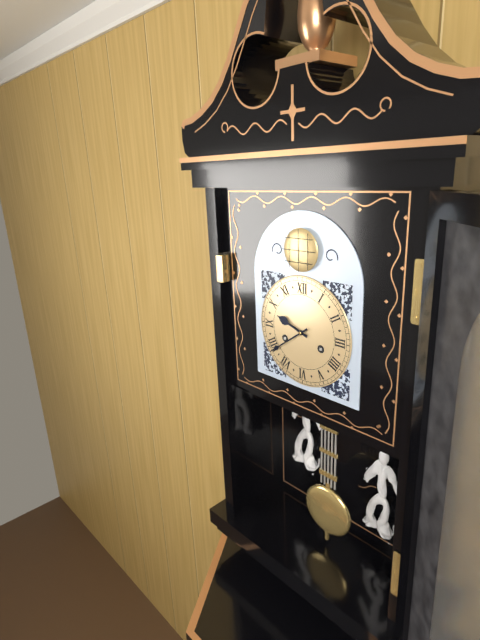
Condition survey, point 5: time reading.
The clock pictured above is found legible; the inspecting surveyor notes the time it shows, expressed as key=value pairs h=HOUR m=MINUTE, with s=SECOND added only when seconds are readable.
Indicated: h=9 m=39
